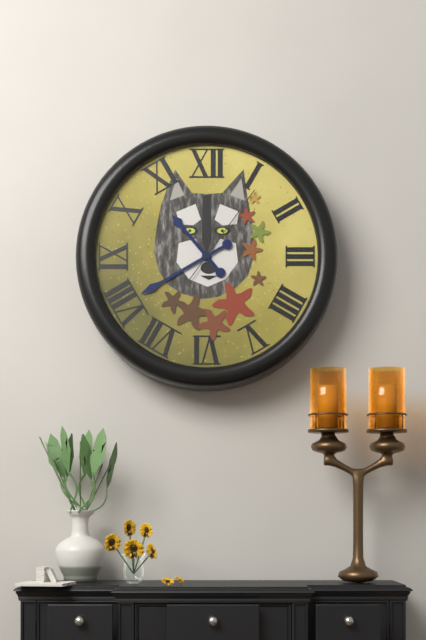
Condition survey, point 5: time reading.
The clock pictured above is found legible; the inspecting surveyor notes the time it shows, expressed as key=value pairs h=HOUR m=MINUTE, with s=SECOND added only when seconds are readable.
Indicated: h=10 m=40 s=6
